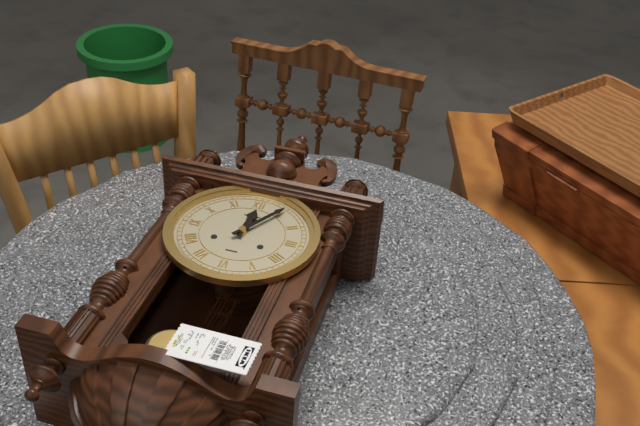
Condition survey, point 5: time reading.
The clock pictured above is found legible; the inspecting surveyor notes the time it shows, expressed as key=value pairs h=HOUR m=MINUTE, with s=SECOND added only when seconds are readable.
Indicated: h=12 m=5
